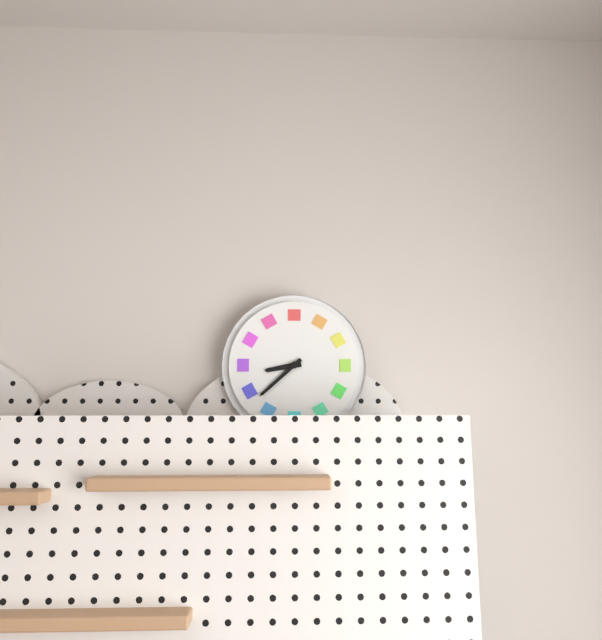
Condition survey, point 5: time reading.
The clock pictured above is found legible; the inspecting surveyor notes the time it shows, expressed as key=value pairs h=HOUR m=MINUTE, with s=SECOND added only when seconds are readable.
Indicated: h=8 m=38
